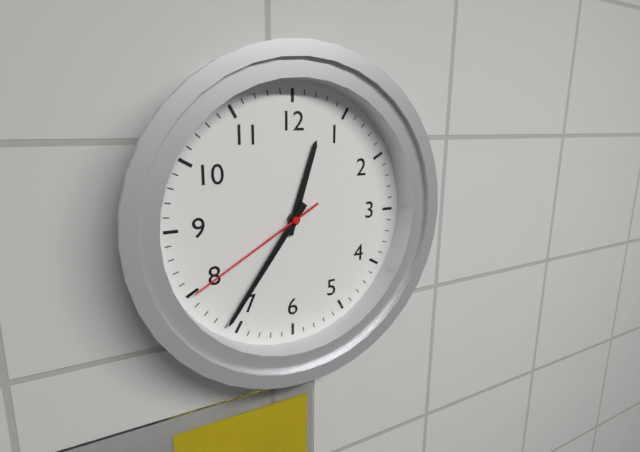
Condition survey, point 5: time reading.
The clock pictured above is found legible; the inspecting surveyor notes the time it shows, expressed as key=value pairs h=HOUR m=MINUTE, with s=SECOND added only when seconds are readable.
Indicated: h=12 m=36 s=40
